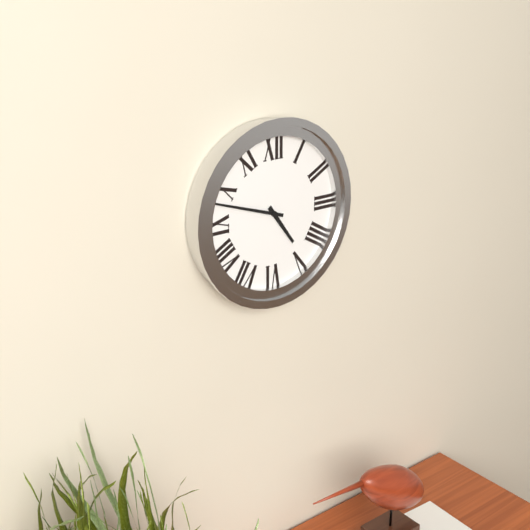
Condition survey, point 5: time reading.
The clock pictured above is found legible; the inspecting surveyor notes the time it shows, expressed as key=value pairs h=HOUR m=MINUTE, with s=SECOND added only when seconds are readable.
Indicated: h=4 m=48
